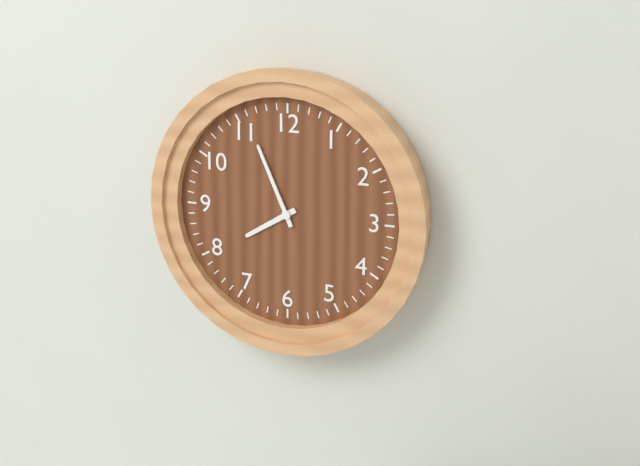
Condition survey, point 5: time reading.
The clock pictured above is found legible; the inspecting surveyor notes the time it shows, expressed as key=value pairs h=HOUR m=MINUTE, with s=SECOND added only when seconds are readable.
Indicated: h=7 m=56
